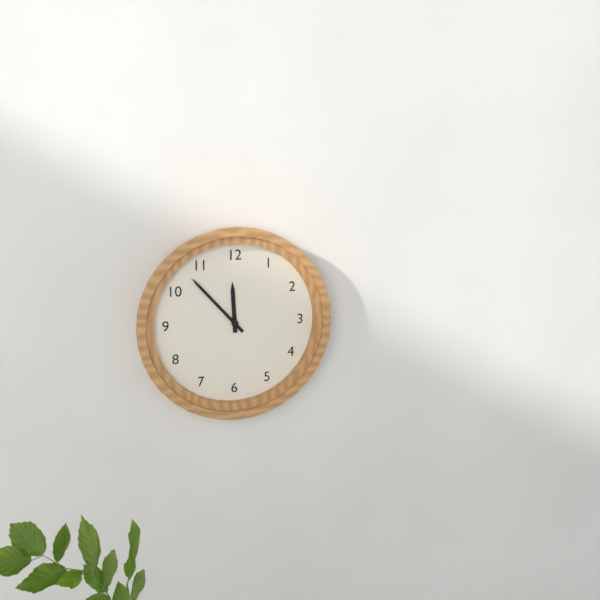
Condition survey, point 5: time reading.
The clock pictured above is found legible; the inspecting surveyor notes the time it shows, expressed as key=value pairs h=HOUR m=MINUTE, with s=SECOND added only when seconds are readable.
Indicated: h=11 m=53
